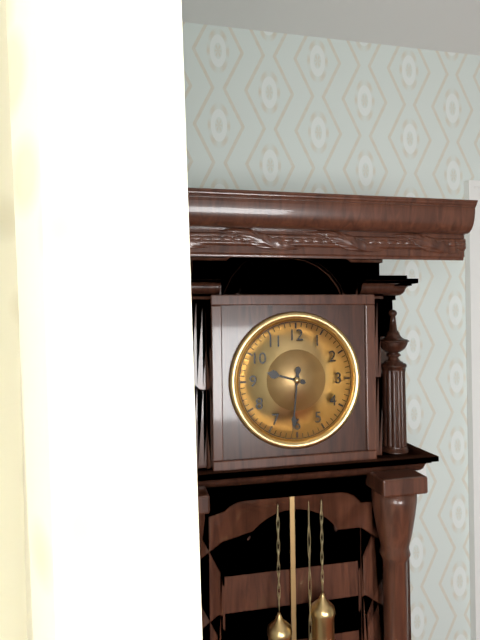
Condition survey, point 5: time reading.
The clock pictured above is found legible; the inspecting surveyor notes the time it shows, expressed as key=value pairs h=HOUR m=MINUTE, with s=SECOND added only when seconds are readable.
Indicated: h=9 m=31
